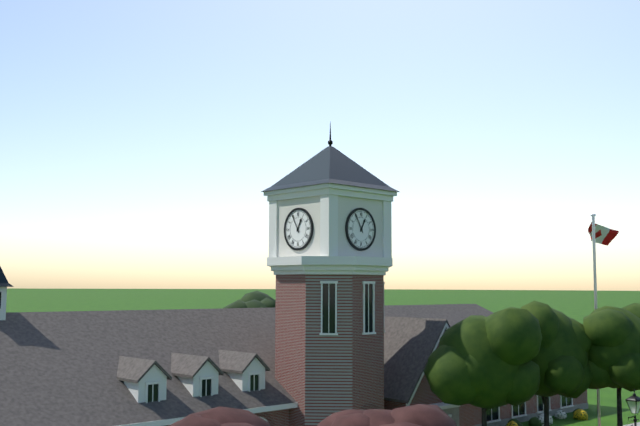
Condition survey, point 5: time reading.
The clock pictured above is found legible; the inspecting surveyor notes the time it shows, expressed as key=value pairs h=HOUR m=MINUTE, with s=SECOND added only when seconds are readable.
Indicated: h=12 m=55
